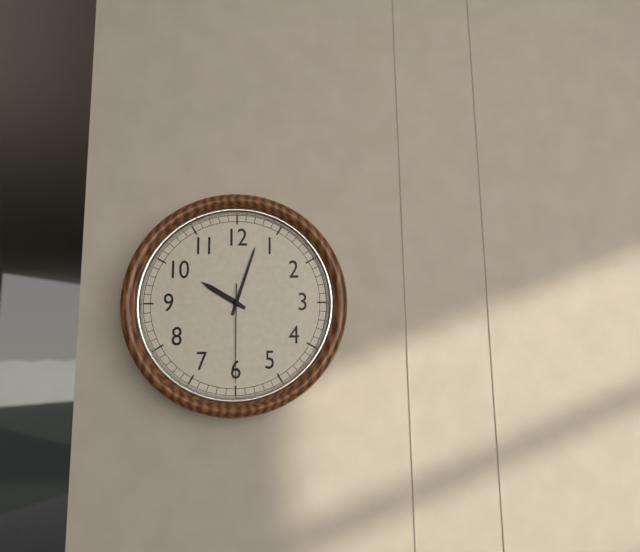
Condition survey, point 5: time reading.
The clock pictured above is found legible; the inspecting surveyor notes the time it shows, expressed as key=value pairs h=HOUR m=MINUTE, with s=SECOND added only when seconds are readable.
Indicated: h=10 m=3 s=30
